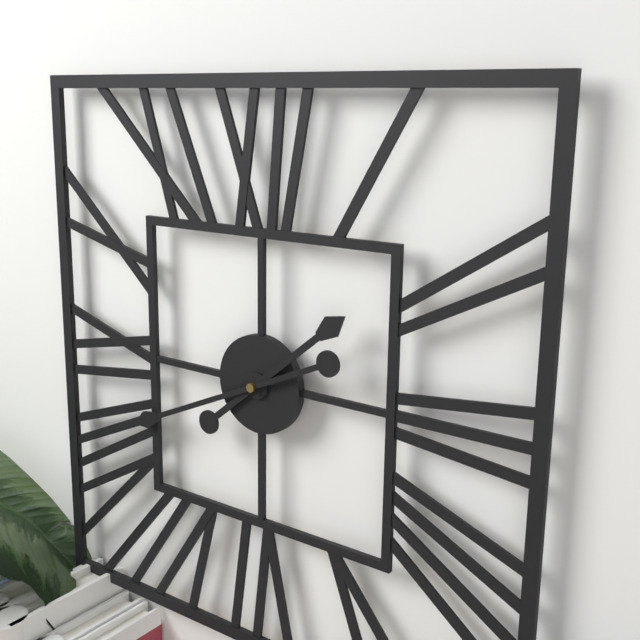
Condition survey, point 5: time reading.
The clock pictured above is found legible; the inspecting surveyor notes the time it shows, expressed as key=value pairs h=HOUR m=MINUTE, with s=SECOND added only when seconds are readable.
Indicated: h=1 m=41
